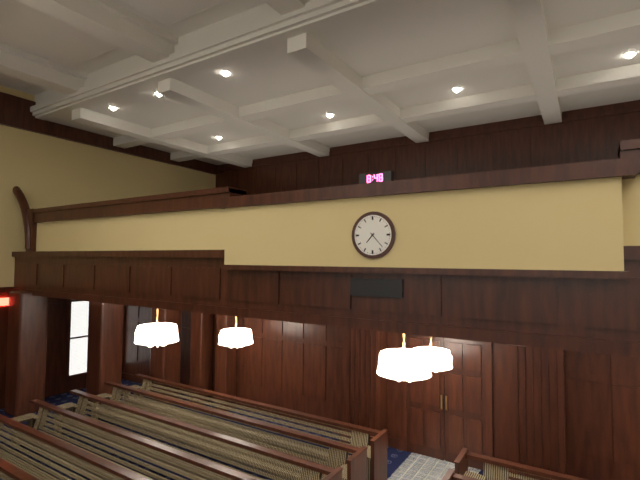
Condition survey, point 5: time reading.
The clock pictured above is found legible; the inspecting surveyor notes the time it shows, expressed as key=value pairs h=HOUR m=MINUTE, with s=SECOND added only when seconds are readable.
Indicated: h=7 m=23
